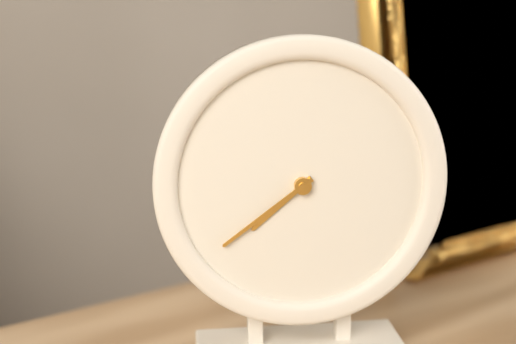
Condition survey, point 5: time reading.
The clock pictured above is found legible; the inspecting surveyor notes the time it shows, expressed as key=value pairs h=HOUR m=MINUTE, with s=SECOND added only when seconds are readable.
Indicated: h=7 m=39
